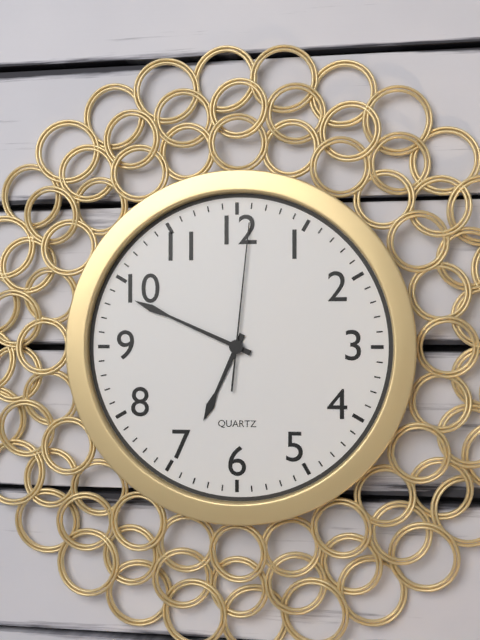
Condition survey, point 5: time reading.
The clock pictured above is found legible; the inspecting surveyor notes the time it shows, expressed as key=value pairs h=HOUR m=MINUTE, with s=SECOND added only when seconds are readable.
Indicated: h=6 m=49 s=1
